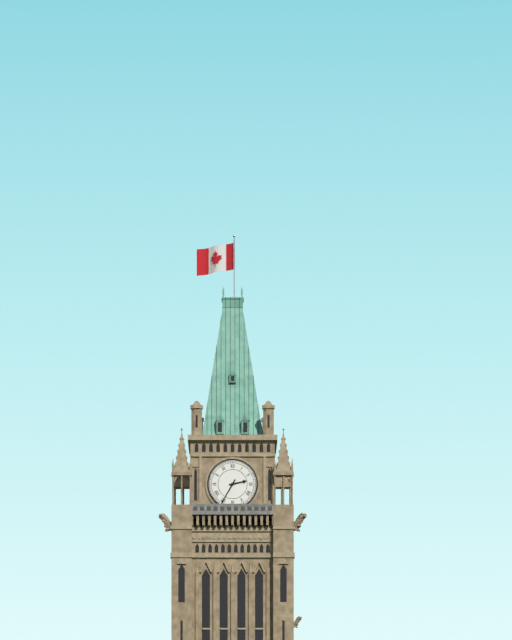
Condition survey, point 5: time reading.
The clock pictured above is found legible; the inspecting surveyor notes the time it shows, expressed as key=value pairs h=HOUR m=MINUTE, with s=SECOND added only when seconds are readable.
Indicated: h=2 m=35
